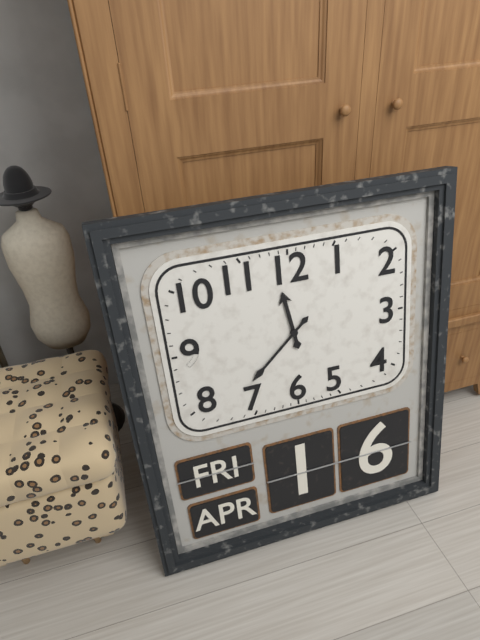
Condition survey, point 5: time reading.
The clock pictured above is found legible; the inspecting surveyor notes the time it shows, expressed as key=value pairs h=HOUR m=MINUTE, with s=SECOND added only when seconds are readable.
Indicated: h=11 m=38
